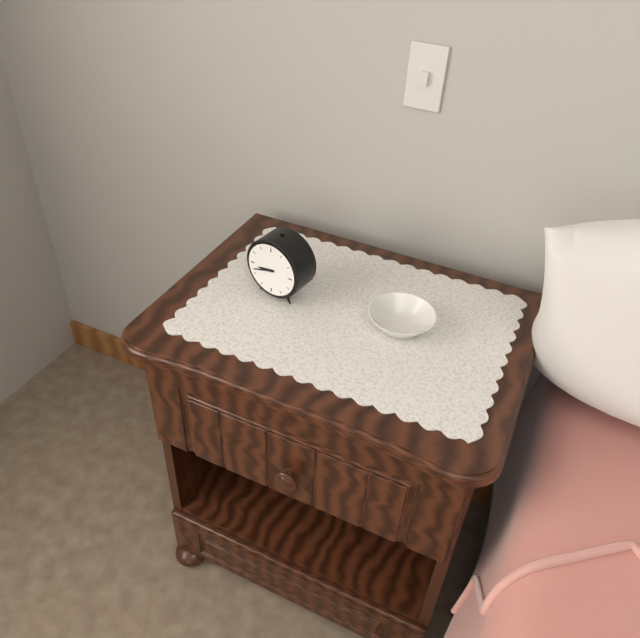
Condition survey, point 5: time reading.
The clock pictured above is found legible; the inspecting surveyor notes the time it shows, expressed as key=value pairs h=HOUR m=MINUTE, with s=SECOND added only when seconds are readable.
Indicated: h=8 m=42
